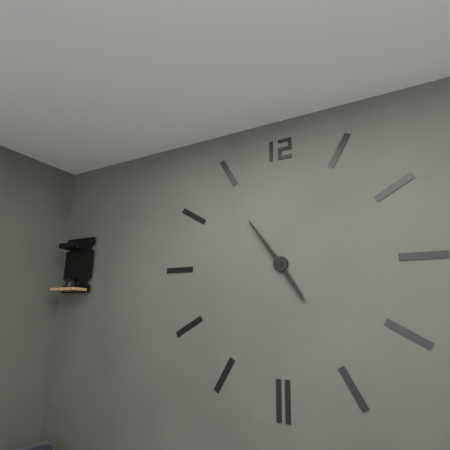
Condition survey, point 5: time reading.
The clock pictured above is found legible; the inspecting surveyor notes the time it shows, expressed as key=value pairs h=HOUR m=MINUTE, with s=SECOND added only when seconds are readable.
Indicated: h=4 m=54
